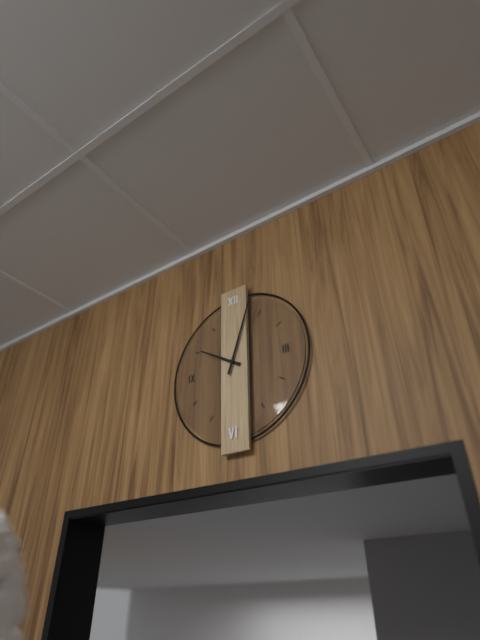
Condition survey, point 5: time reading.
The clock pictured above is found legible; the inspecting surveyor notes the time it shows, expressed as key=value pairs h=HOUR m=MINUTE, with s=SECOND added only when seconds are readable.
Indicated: h=10 m=3
